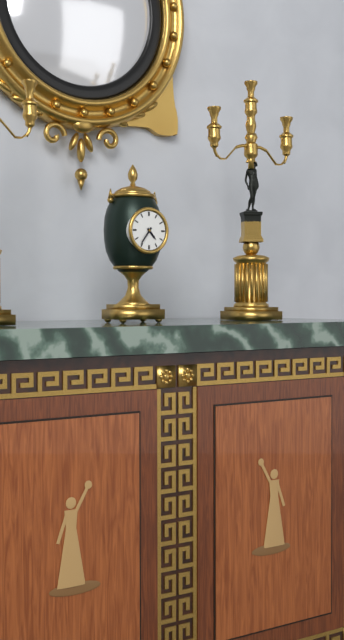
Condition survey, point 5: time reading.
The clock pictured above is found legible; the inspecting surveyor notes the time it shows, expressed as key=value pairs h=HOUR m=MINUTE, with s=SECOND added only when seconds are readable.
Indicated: h=4 m=36
